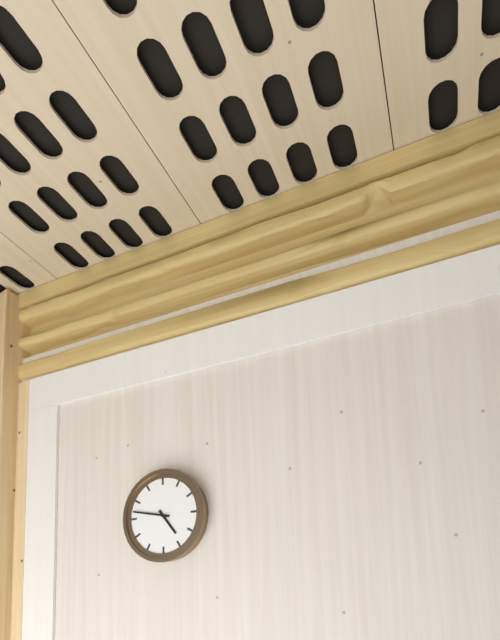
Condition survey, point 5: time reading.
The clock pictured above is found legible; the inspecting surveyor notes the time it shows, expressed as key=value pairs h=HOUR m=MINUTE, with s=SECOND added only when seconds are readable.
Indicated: h=4 m=47
